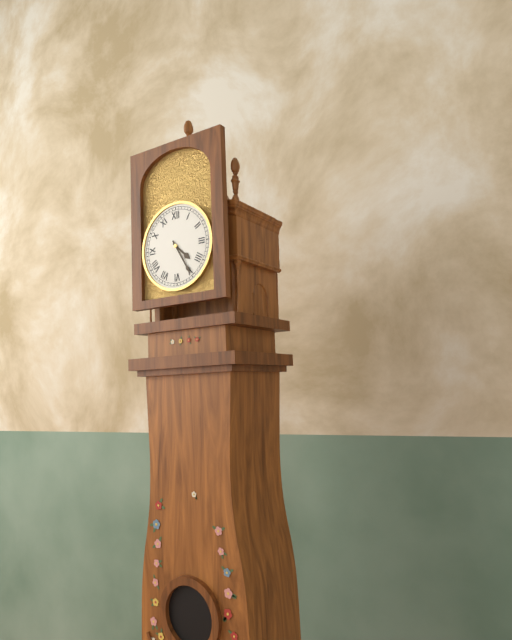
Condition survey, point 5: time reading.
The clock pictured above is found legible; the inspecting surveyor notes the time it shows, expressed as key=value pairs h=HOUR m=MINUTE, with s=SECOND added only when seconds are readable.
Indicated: h=4 m=25
